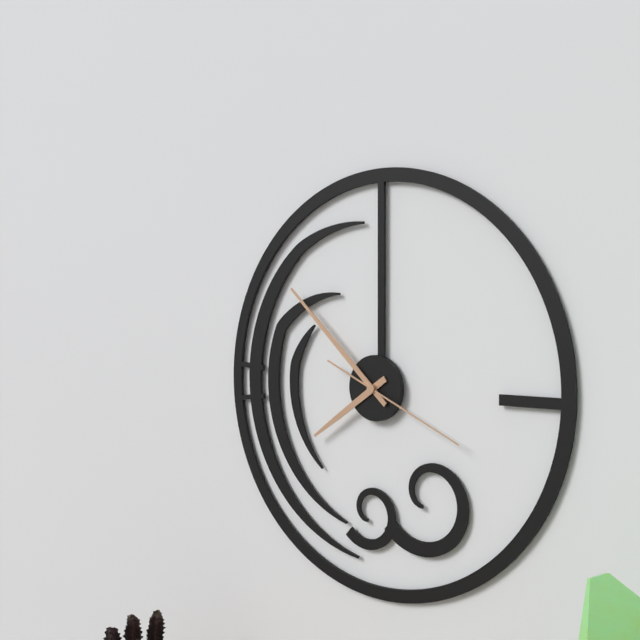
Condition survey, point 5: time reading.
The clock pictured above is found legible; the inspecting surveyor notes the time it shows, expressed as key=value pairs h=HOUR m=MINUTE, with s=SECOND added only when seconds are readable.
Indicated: h=7 m=52 s=19
